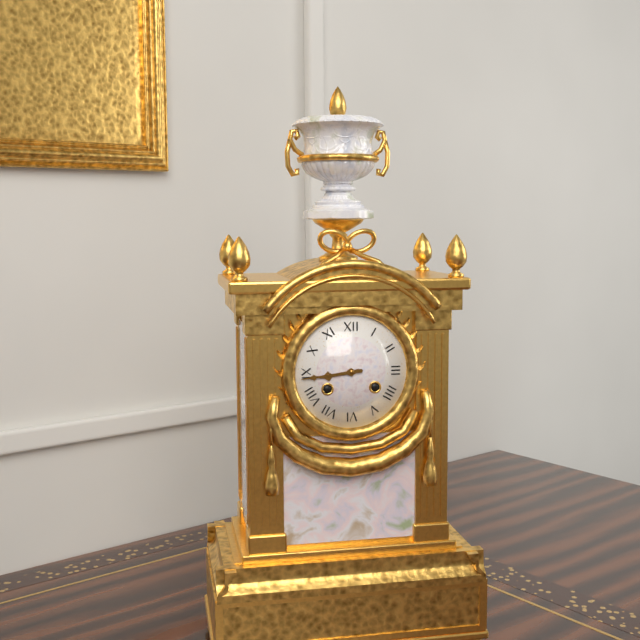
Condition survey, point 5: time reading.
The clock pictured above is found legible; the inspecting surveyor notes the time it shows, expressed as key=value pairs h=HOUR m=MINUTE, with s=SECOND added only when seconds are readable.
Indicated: h=8 m=44
